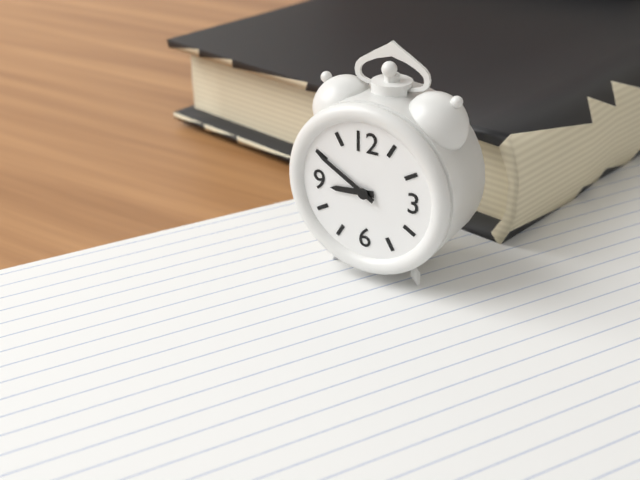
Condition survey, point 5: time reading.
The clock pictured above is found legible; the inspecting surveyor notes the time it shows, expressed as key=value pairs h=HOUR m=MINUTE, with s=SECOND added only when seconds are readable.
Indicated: h=8 m=50
